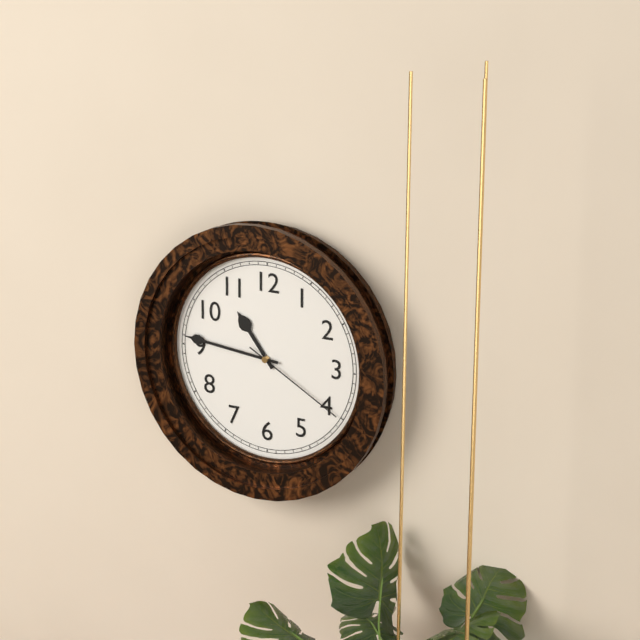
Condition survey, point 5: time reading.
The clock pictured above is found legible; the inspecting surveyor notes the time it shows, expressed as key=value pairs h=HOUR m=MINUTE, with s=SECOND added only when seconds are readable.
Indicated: h=10 m=46 s=20
